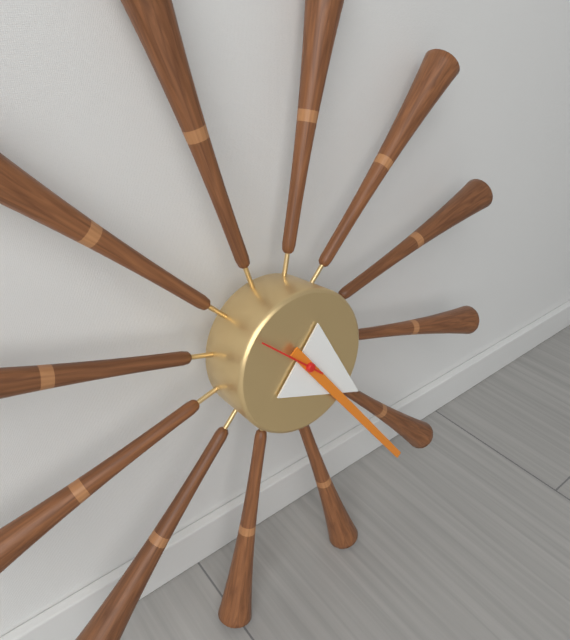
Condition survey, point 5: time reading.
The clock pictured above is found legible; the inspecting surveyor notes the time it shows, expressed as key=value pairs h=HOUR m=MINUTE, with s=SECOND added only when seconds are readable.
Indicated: h=4 m=24
